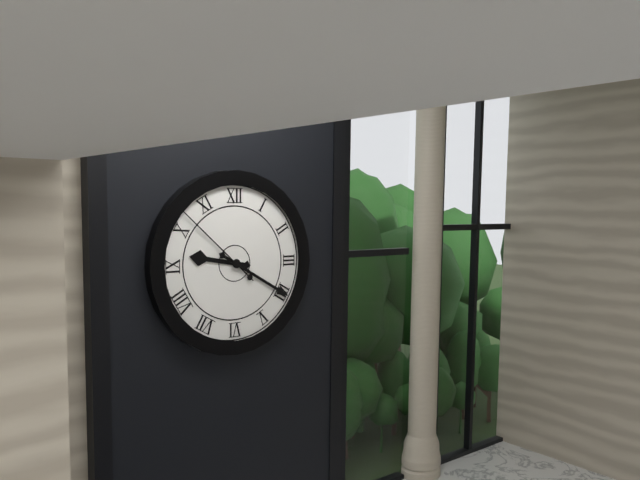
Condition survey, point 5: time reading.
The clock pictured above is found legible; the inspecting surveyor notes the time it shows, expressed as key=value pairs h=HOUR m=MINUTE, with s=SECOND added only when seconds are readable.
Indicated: h=9 m=20 s=52
